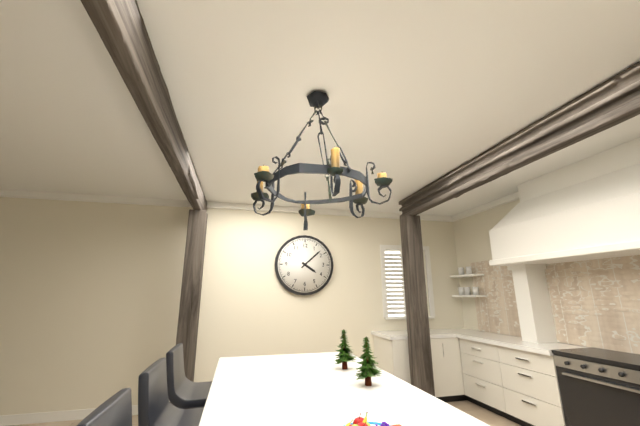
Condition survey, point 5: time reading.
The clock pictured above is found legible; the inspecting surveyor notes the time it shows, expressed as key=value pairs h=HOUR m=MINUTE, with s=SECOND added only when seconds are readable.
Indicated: h=4 m=8
